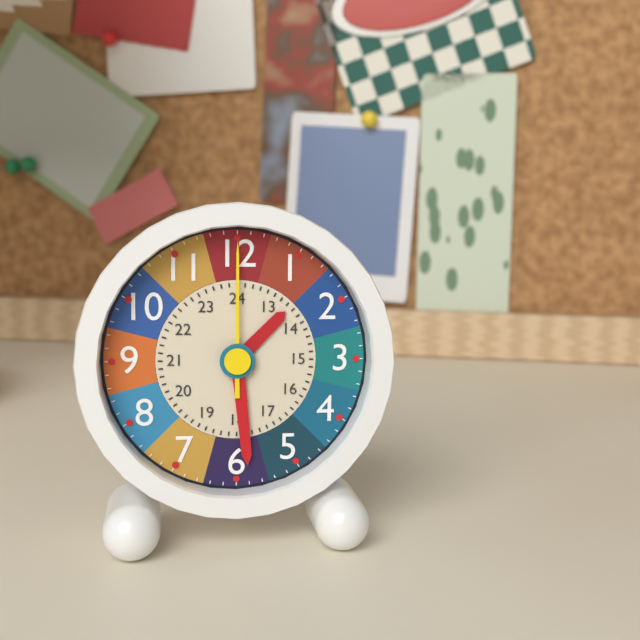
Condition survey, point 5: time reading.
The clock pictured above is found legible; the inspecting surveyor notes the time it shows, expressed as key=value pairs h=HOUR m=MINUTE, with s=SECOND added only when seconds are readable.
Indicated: h=1 m=29 s=0
